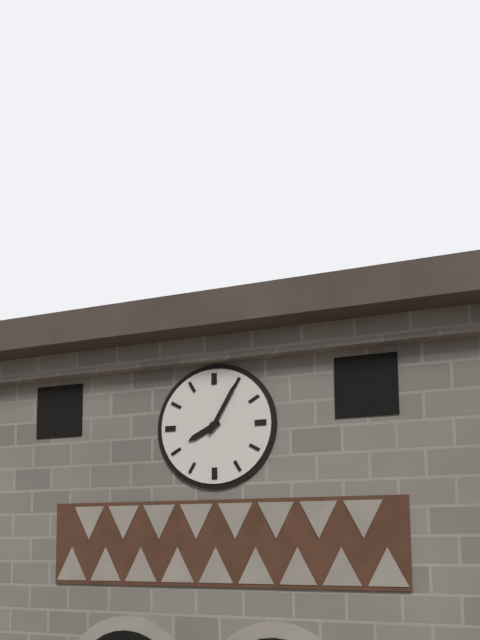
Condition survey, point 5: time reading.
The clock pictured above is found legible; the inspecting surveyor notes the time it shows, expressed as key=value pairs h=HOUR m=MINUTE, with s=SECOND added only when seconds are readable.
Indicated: h=8 m=5
